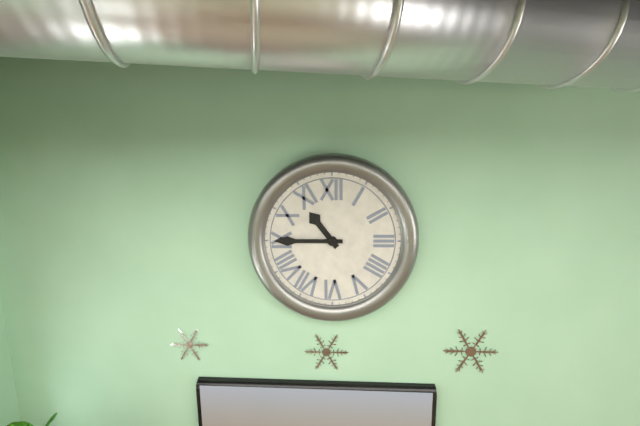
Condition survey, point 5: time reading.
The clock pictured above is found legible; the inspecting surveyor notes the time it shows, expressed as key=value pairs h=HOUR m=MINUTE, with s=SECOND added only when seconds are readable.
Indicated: h=10 m=45
